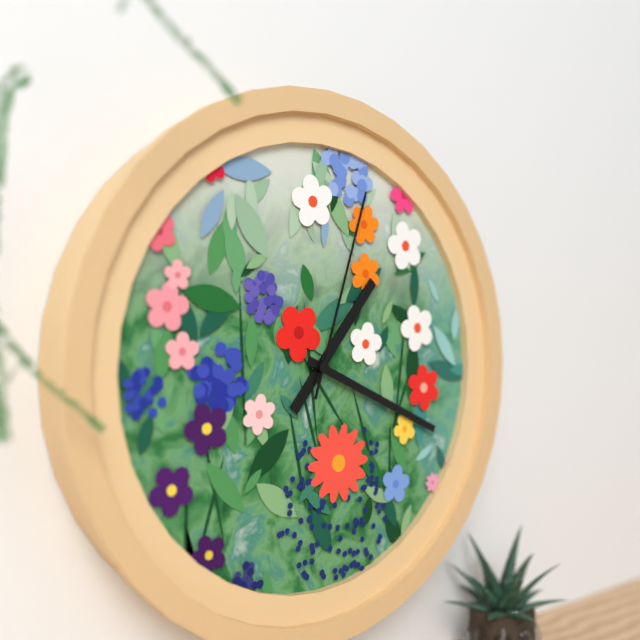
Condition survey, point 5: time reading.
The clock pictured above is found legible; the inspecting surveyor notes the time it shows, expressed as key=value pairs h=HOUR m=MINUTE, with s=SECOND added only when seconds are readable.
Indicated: h=1 m=19 s=3
